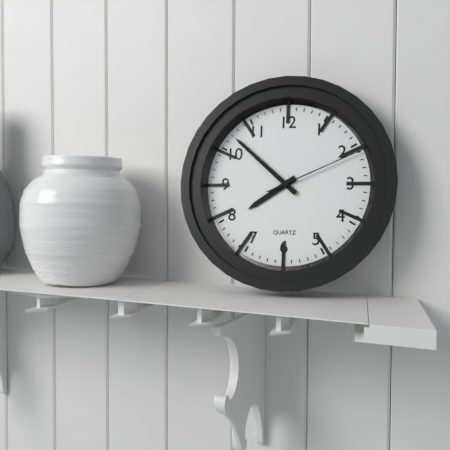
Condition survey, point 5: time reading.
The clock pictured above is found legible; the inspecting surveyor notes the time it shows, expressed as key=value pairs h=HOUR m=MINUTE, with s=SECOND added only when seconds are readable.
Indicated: h=7 m=52 s=11
